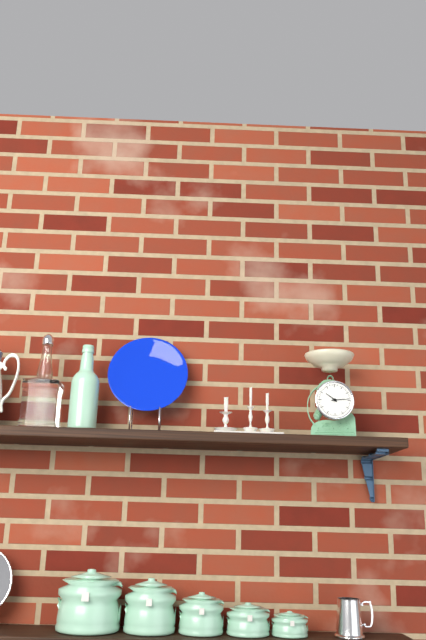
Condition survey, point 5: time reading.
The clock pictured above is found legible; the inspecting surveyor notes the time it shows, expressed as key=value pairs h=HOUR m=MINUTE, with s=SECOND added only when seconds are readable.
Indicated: h=10 m=14
